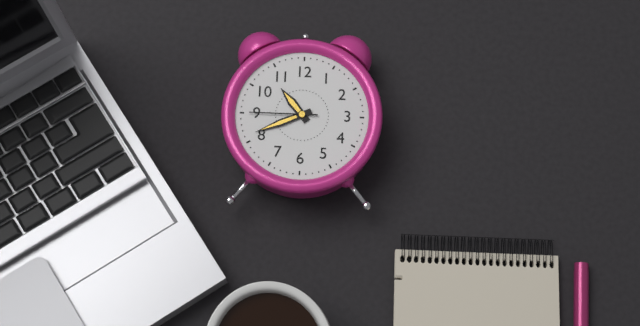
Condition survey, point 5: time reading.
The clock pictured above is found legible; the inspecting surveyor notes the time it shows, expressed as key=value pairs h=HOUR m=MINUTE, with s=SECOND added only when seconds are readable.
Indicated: h=10 m=41 s=45
